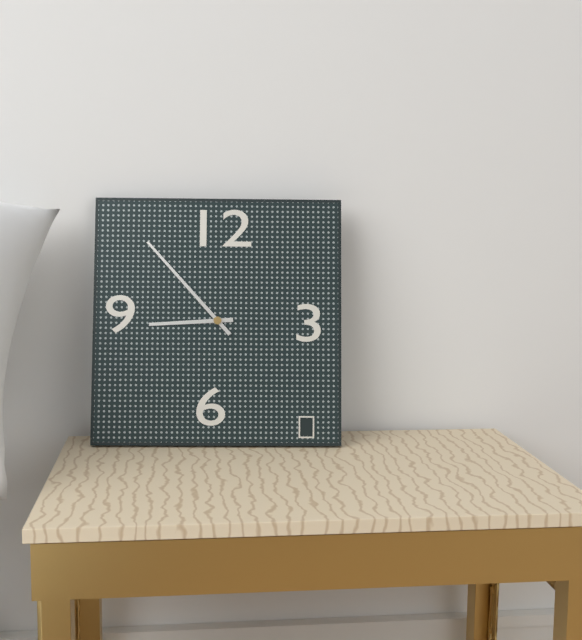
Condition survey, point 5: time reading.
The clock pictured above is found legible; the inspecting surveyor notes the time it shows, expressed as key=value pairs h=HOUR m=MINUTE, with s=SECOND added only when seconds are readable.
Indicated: h=8 m=53
